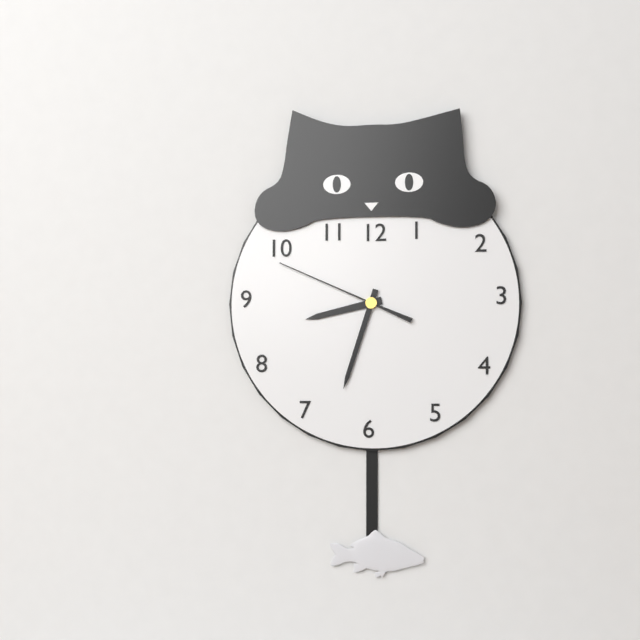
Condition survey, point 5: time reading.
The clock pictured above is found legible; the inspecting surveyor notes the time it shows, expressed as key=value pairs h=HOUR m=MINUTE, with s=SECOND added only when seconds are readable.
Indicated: h=8 m=33 s=49
